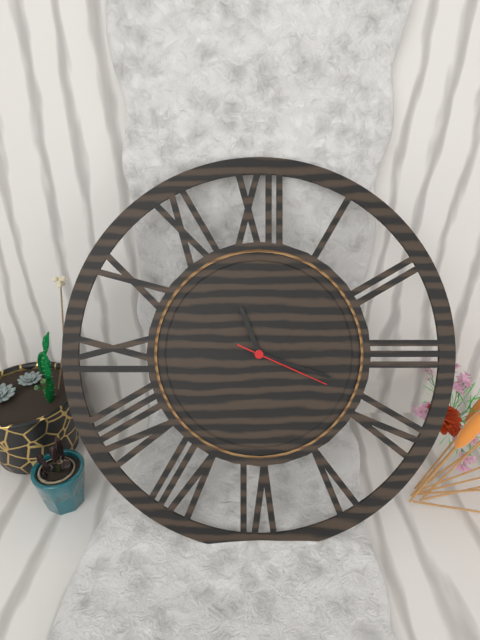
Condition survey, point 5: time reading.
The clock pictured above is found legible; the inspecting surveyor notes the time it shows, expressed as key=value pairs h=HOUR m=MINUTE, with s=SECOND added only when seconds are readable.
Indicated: h=11 m=18 s=19
